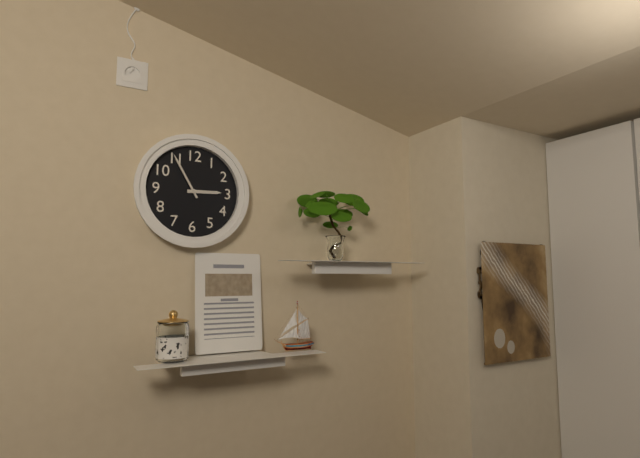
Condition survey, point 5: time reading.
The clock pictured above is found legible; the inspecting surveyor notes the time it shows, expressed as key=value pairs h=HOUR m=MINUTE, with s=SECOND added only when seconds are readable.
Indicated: h=2 m=55
